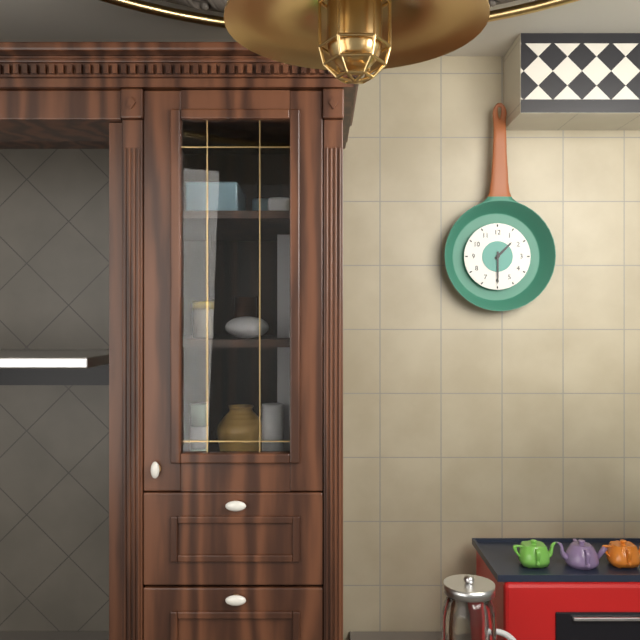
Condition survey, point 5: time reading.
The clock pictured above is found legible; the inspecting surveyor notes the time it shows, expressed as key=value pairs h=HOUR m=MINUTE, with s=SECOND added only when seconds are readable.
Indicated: h=1 m=30
